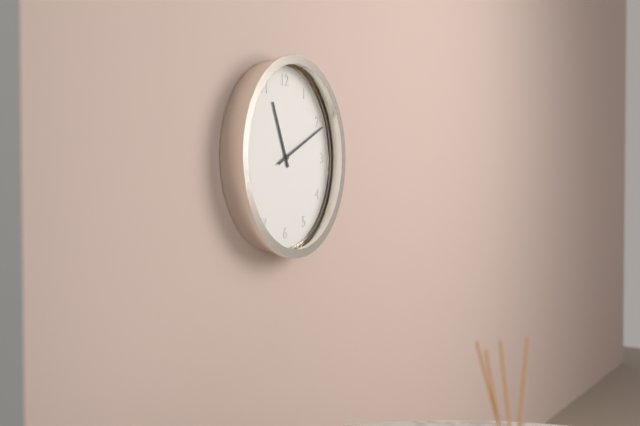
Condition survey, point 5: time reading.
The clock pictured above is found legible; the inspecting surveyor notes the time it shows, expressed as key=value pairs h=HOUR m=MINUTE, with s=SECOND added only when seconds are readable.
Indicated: h=11 m=11
